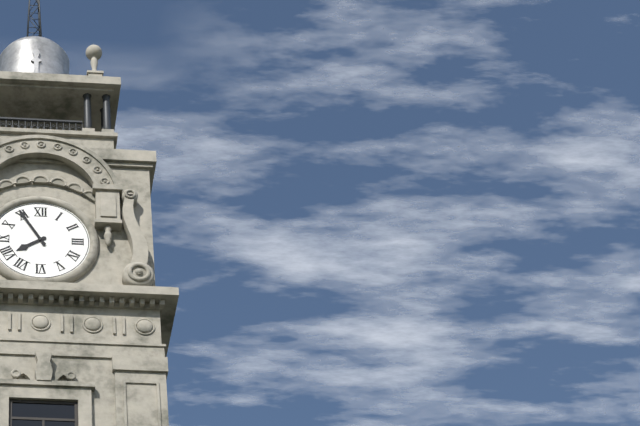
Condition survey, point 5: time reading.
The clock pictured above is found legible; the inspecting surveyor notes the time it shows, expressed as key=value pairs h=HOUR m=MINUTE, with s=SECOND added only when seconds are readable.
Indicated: h=7 m=55
